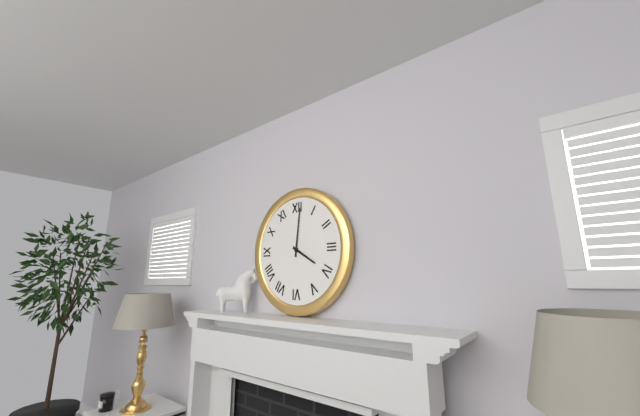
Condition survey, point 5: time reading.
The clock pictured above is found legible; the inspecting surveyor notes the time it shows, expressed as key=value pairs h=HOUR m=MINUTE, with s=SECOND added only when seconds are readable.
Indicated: h=4 m=1
